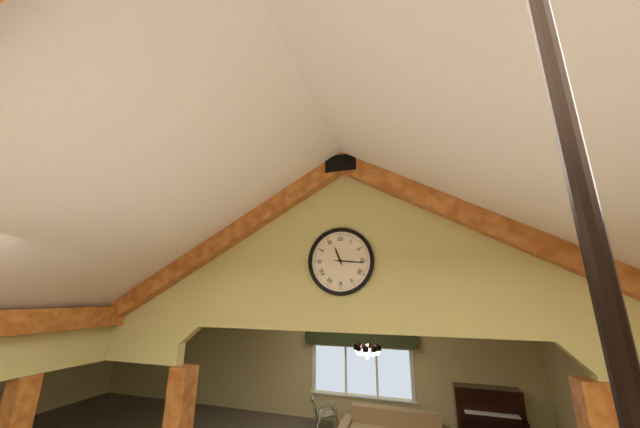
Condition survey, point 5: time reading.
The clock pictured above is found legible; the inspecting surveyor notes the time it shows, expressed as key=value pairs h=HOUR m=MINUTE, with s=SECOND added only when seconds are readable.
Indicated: h=11 m=16
